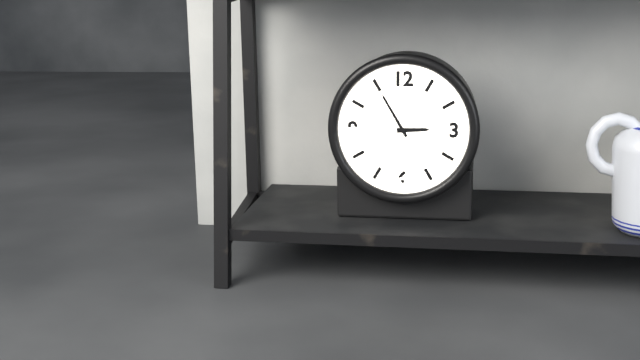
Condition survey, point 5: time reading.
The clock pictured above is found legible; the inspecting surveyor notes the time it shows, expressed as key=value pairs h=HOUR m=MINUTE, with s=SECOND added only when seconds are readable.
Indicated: h=2 m=55
